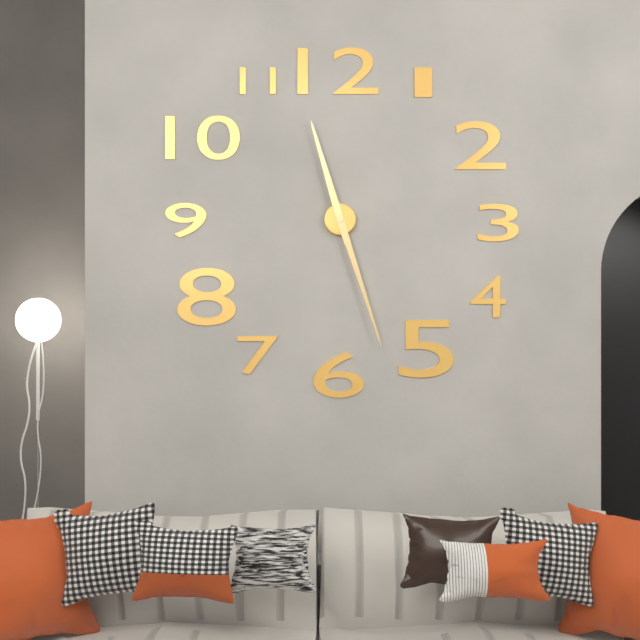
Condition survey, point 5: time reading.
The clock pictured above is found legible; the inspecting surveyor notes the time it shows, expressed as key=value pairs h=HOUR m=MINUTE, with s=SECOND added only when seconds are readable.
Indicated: h=11 m=27
